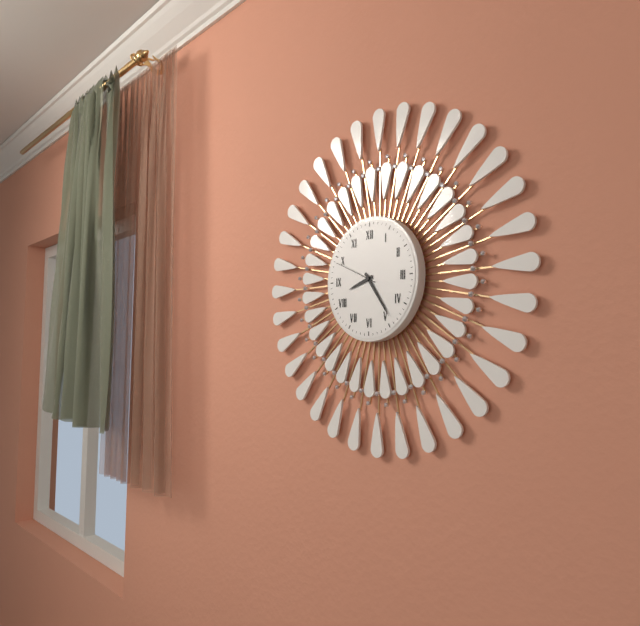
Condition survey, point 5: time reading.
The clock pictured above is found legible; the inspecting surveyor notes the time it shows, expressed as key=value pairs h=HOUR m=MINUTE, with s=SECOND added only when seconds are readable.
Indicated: h=8 m=24 s=49
